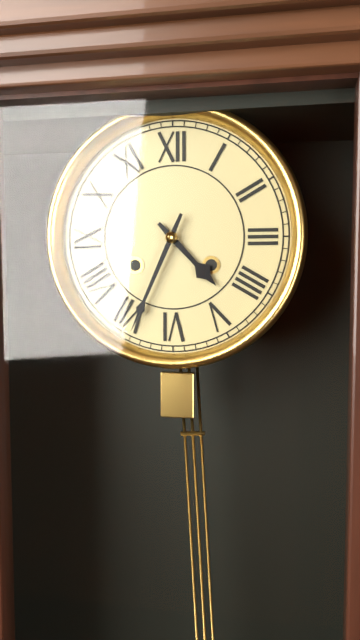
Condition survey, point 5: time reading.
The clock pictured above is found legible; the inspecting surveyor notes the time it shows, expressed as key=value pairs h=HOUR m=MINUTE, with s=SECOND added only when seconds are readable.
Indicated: h=4 m=34
